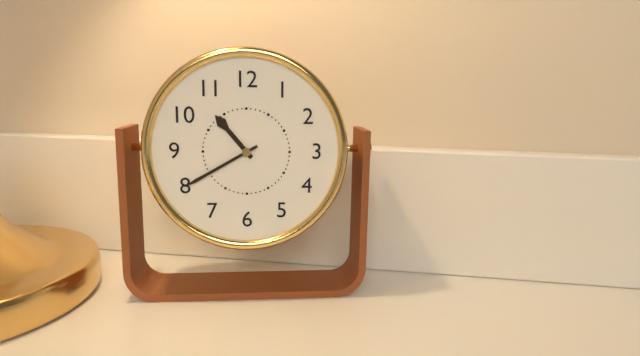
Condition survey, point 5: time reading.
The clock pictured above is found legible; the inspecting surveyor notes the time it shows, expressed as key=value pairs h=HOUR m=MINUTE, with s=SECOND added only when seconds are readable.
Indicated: h=10 m=40
